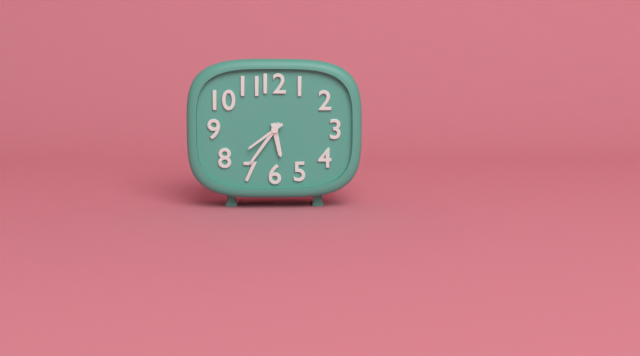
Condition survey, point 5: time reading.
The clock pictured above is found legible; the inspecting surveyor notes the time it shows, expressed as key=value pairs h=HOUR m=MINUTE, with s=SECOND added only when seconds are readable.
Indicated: h=5 m=36
